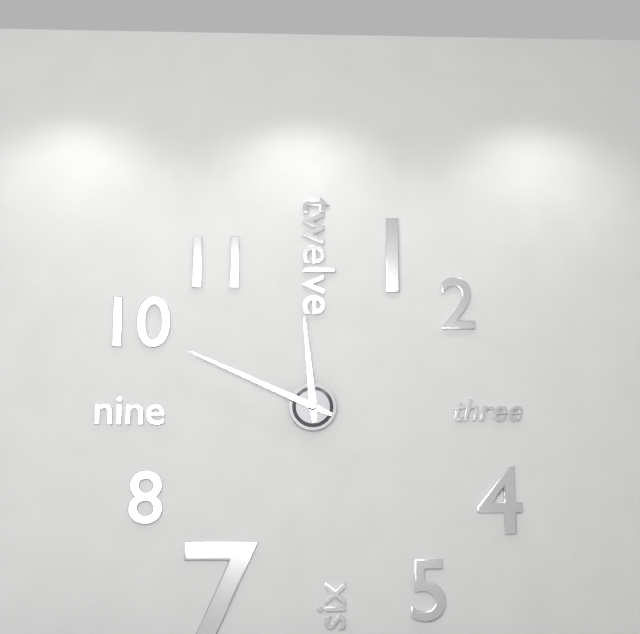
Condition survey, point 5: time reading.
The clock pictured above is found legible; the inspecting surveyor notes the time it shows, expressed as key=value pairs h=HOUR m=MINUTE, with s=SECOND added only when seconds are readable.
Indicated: h=11 m=49
